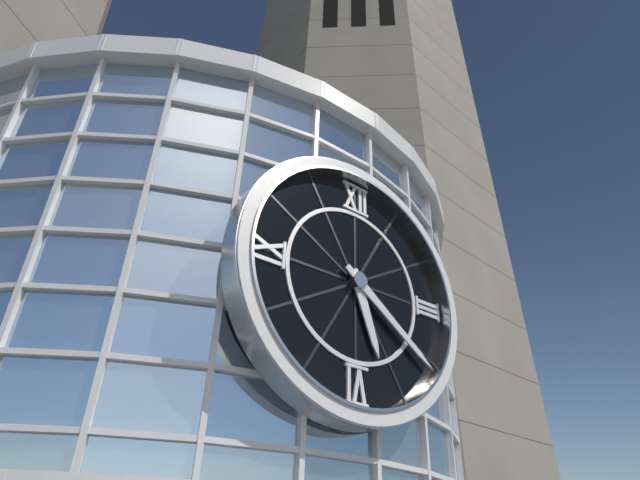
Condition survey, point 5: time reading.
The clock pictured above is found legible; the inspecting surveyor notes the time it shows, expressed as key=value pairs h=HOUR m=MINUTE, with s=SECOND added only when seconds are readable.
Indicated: h=5 m=21
